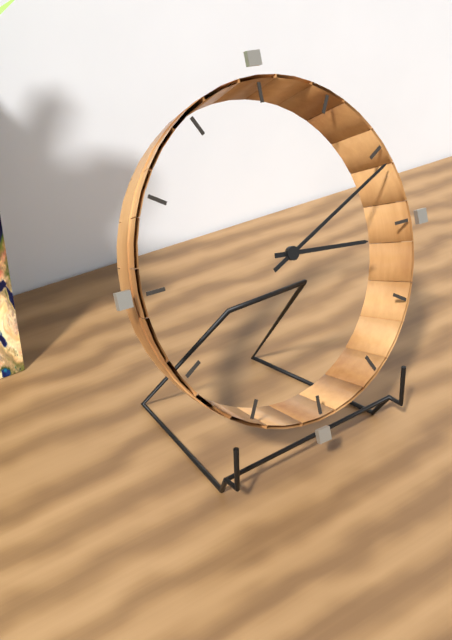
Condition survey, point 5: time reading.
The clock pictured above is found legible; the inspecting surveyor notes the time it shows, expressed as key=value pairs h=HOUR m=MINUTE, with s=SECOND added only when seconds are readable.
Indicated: h=3 m=11
